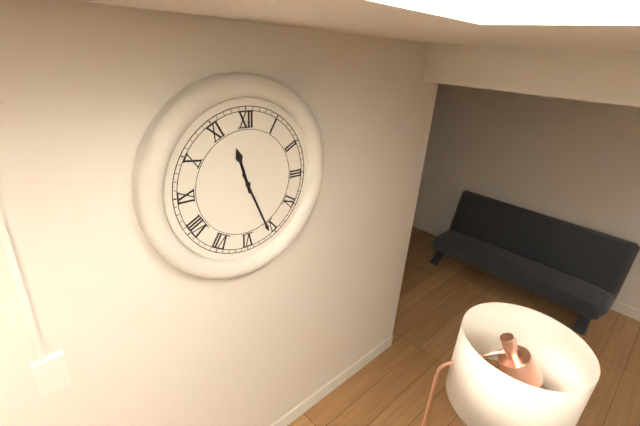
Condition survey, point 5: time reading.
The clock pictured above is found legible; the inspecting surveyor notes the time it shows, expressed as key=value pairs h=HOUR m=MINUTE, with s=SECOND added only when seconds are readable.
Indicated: h=11 m=26
